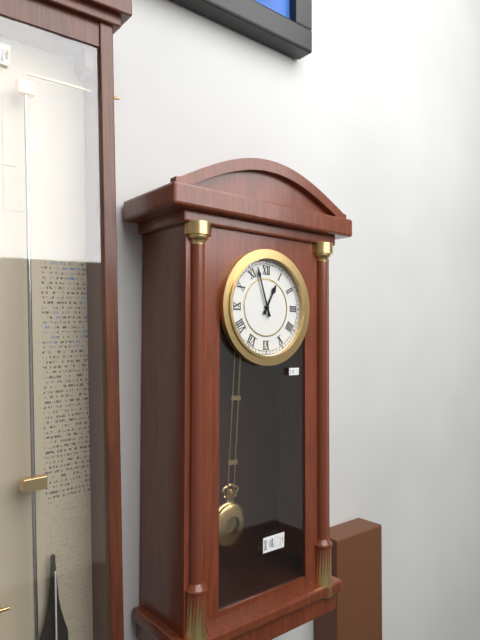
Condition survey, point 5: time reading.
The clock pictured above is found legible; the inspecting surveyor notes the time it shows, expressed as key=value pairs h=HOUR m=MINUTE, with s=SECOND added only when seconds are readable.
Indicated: h=12 m=57
